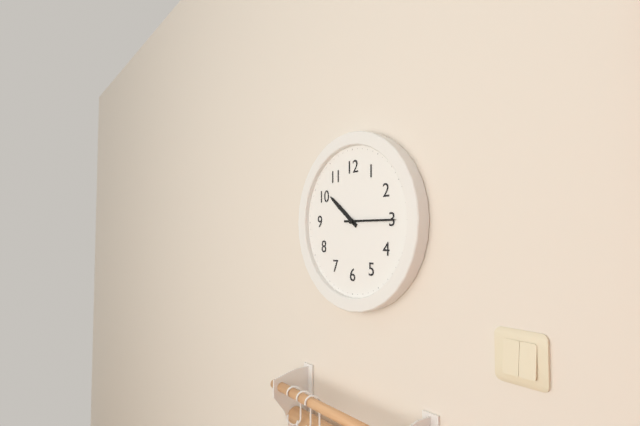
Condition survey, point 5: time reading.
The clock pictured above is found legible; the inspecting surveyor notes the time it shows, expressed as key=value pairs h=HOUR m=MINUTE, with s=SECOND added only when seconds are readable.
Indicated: h=10 m=15
